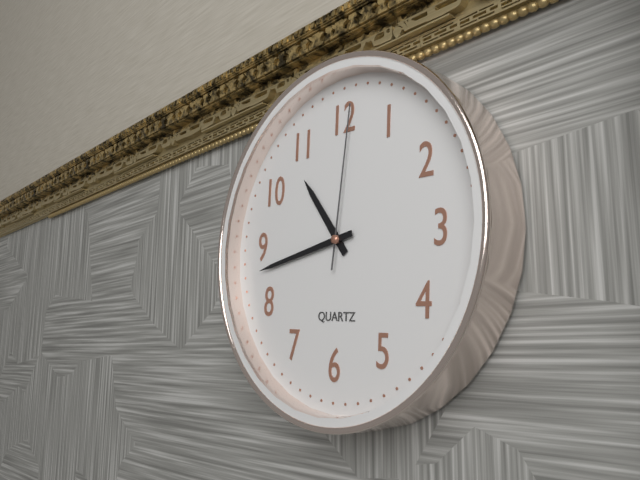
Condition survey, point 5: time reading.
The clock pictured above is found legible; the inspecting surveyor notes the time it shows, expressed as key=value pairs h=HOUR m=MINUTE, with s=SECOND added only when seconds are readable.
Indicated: h=10 m=43 s=1
